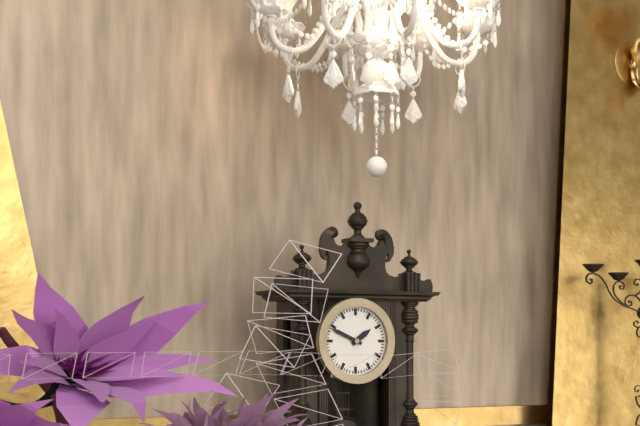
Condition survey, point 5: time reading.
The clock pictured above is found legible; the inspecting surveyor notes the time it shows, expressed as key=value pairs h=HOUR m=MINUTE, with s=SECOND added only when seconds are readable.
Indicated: h=1 m=49
